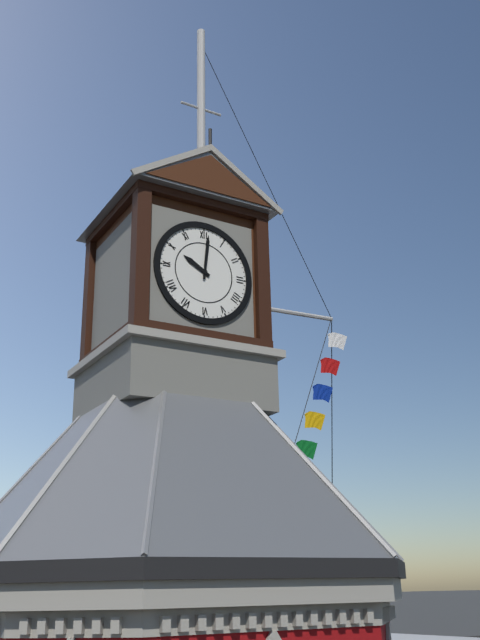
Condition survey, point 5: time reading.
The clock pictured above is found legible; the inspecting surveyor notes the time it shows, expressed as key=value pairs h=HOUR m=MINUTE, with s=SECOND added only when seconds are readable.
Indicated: h=10 m=1
